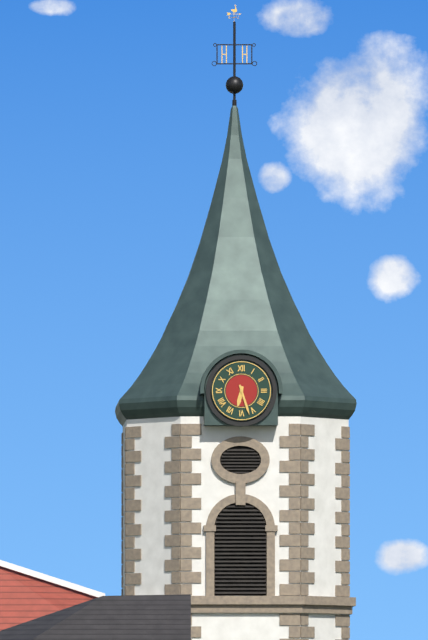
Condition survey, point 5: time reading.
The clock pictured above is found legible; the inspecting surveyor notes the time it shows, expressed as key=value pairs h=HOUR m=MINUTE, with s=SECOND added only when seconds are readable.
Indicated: h=6 m=27
